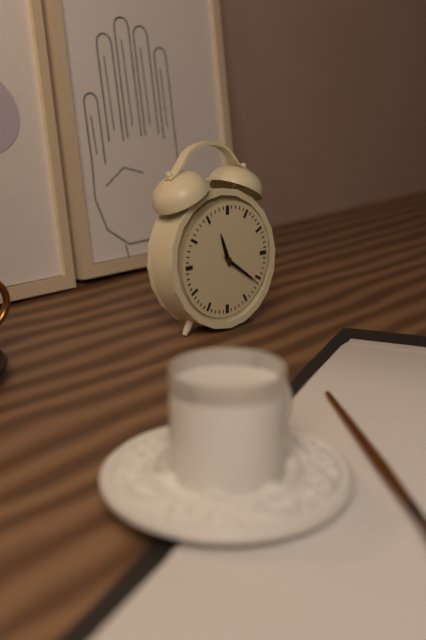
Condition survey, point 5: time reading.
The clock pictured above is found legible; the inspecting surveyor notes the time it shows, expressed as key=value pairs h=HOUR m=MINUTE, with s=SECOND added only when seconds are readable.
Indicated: h=11 m=21
